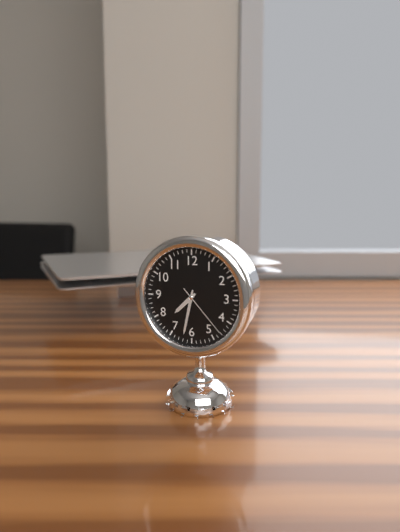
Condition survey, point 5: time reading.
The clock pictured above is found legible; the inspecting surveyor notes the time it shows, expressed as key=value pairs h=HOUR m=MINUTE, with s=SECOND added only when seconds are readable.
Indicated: h=7 m=32 s=23
